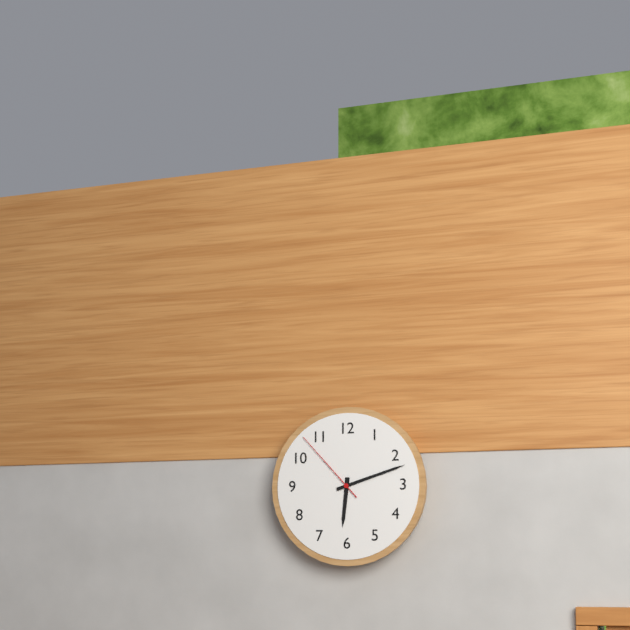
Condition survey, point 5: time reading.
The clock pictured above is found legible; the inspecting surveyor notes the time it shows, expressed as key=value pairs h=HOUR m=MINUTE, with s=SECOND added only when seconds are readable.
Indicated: h=6 m=12 s=53
